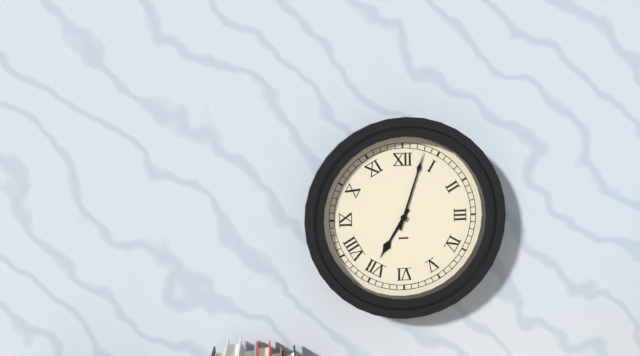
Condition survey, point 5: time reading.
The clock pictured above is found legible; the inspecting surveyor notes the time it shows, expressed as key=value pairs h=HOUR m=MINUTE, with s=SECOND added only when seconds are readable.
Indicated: h=7 m=3
